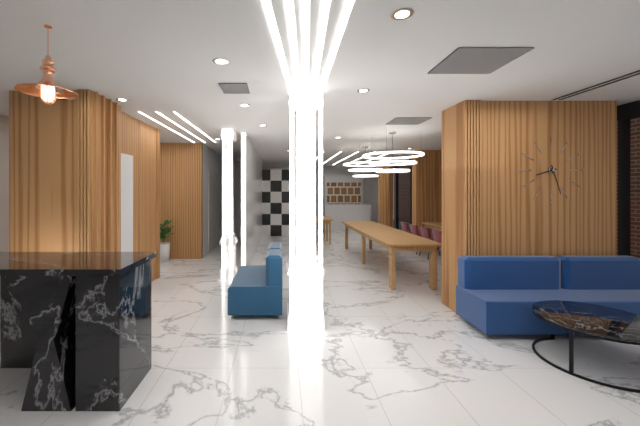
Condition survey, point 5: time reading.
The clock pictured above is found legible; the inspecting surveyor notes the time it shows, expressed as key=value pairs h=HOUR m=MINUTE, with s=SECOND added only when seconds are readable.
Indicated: h=8 m=27
